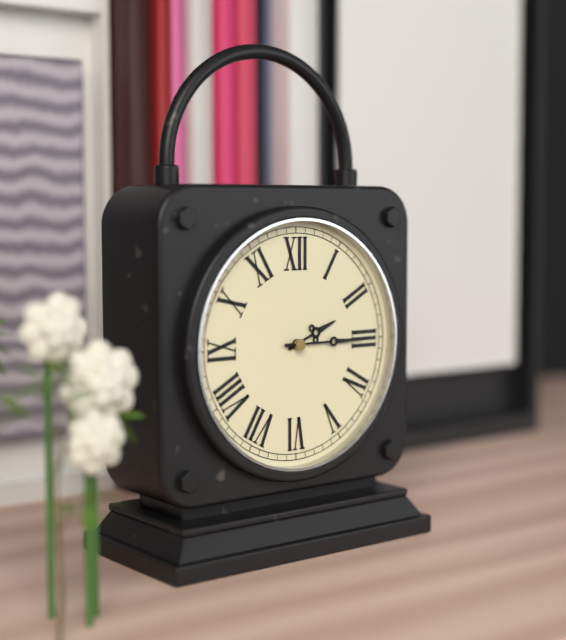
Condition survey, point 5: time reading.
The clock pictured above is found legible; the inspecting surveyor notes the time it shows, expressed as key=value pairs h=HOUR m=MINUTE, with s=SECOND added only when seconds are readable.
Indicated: h=2 m=15
